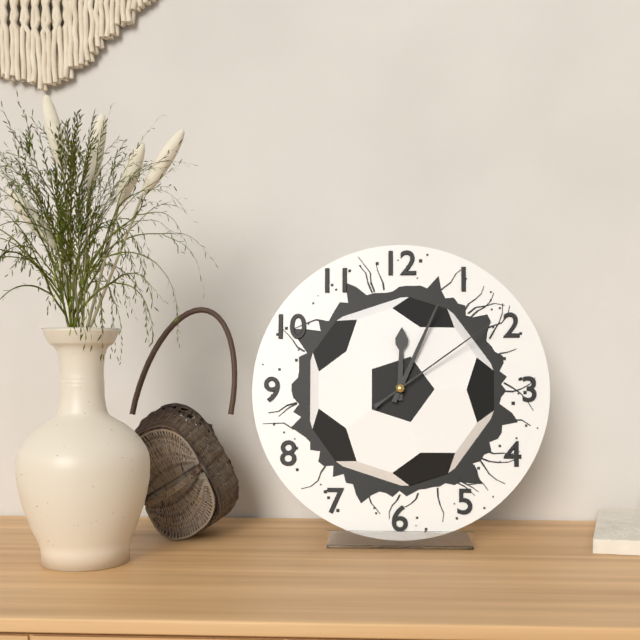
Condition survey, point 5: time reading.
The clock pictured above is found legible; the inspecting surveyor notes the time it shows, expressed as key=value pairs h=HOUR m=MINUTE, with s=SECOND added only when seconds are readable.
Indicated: h=12 m=4 s=9
